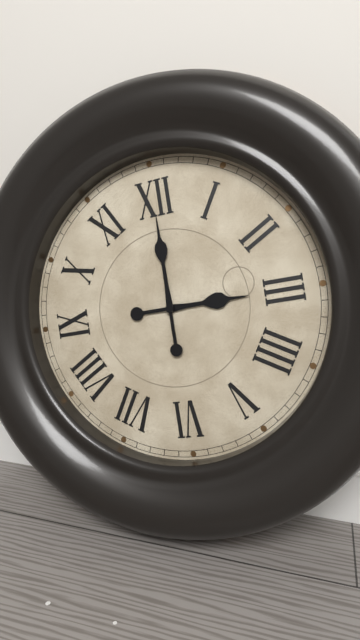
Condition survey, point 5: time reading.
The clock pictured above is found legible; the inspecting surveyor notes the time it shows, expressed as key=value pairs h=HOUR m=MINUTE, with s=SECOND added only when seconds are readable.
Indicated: h=3 m=0
